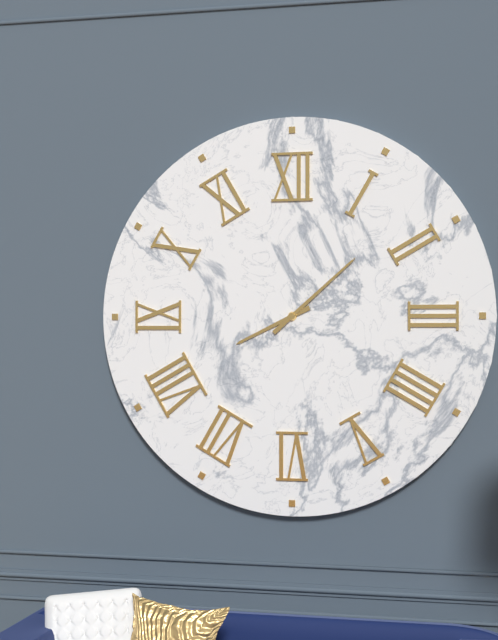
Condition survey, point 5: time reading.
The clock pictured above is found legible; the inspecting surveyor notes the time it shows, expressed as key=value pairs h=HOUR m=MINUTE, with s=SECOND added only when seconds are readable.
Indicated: h=8 m=8
